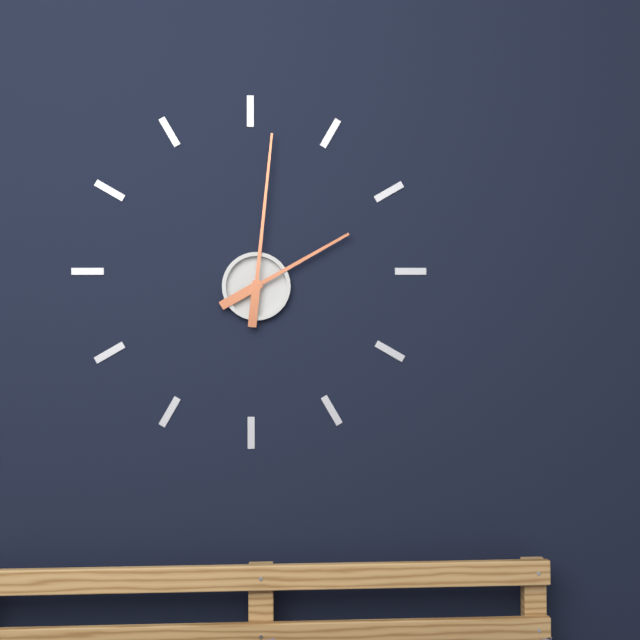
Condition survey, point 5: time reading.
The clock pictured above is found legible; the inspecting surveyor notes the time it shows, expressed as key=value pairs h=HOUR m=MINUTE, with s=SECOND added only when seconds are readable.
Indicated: h=2 m=1
